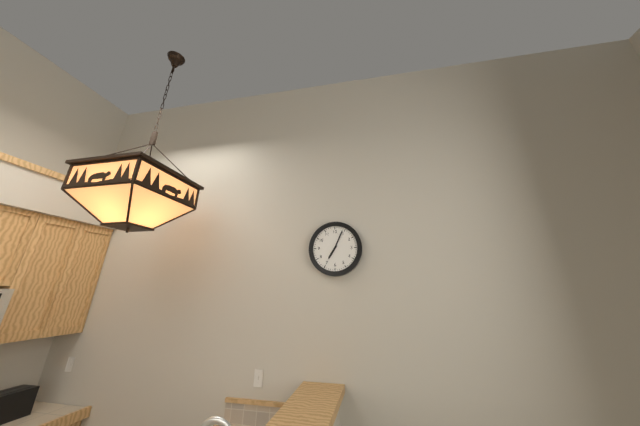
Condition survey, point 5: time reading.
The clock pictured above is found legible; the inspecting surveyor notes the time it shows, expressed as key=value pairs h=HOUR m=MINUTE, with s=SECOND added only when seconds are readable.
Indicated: h=7 m=4
